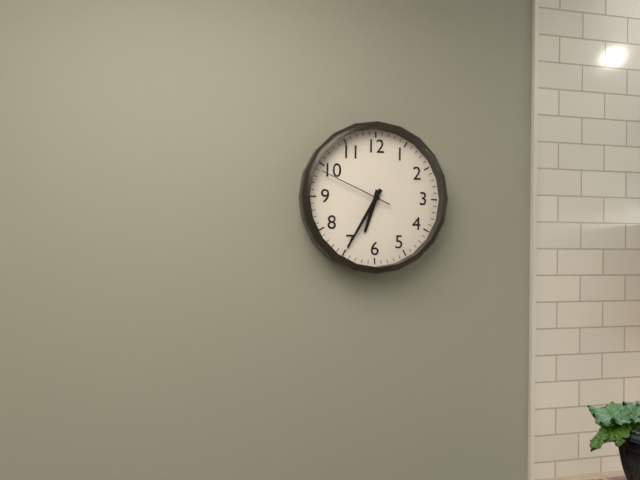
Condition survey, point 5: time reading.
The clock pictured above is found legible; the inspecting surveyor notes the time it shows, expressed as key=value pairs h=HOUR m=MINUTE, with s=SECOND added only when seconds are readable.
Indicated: h=6 m=35 s=49
